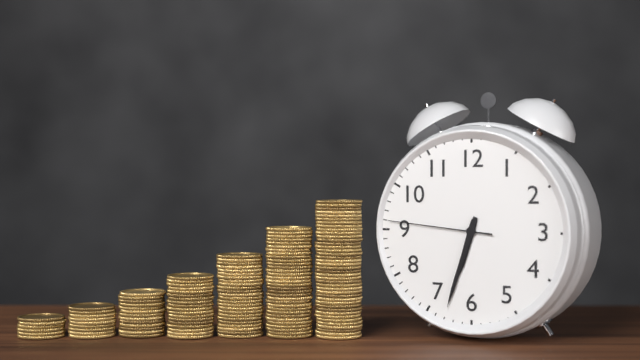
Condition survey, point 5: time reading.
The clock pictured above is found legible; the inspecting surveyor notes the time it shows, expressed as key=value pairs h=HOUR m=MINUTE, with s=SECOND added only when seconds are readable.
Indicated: h=6 m=33 s=46
